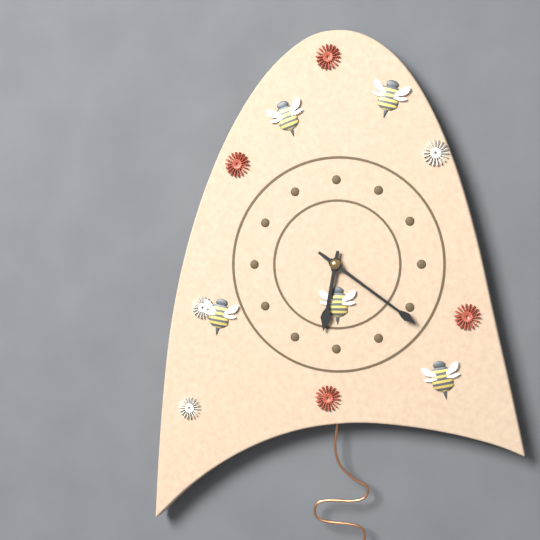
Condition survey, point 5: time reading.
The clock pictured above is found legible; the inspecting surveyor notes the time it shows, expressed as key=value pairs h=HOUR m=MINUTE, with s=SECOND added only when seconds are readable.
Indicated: h=6 m=21
